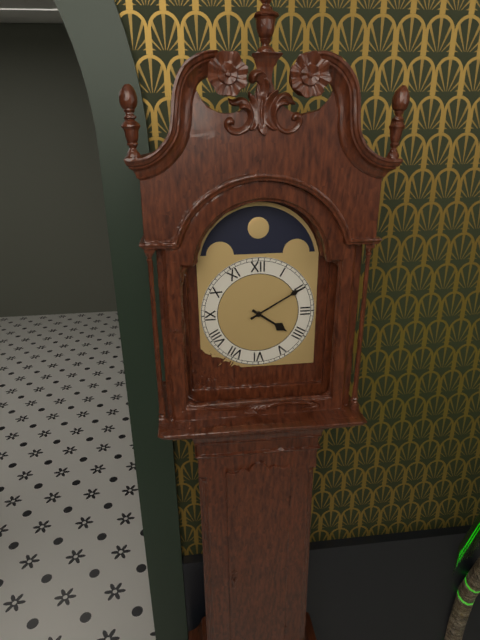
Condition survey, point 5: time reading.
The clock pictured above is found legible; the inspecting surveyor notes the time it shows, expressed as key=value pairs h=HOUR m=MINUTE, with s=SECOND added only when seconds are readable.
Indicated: h=4 m=10
